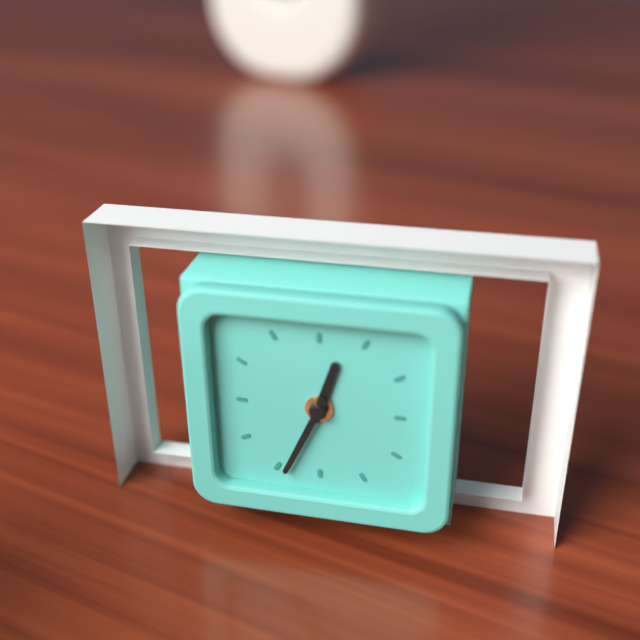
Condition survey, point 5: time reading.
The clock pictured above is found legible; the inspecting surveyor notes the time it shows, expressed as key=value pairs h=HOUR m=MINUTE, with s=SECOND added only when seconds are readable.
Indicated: h=12 m=34
